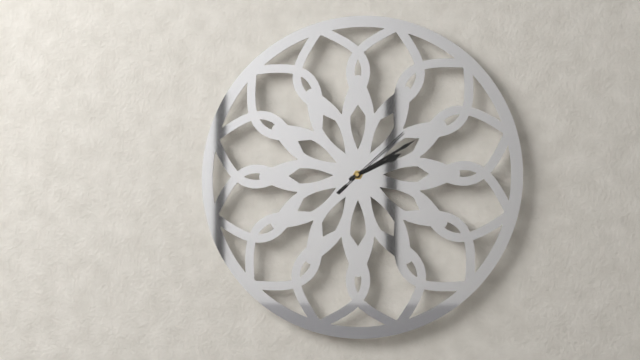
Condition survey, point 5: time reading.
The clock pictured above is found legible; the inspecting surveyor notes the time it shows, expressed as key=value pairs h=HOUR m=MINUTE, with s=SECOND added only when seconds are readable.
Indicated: h=2 m=10 s=8
